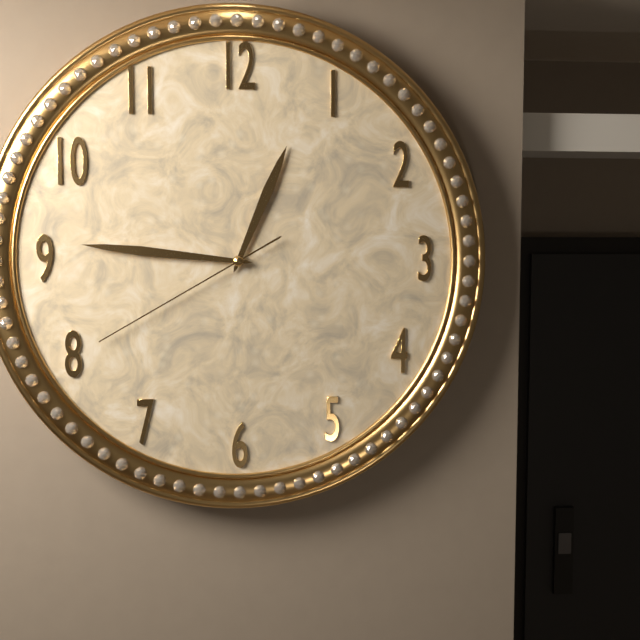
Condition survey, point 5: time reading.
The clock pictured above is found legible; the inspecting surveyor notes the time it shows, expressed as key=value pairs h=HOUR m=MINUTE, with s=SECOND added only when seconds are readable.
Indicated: h=12 m=46 s=40
